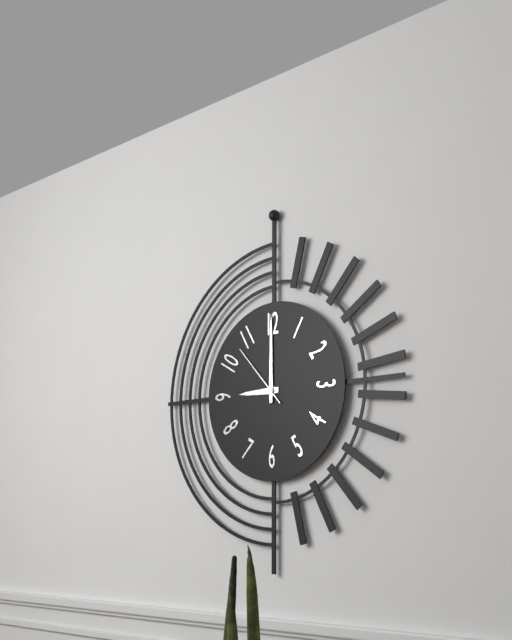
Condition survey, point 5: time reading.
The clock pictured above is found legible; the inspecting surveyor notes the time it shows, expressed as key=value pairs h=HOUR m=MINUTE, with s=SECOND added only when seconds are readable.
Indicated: h=9 m=0 s=53
